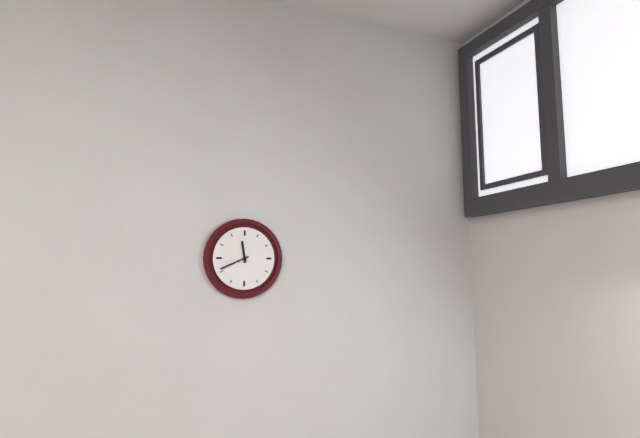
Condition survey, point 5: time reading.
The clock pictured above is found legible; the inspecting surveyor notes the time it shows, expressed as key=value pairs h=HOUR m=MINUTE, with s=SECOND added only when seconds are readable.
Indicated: h=11 m=41
